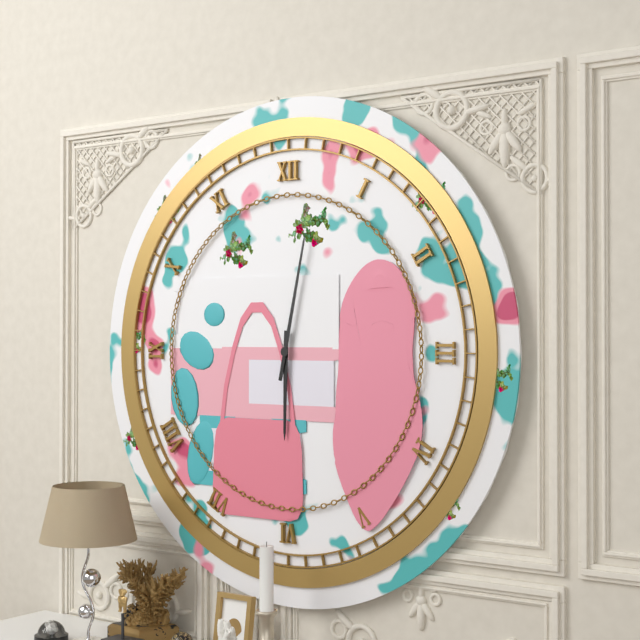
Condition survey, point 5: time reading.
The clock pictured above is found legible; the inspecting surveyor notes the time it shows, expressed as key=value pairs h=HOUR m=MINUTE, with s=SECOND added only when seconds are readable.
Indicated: h=6 m=2
